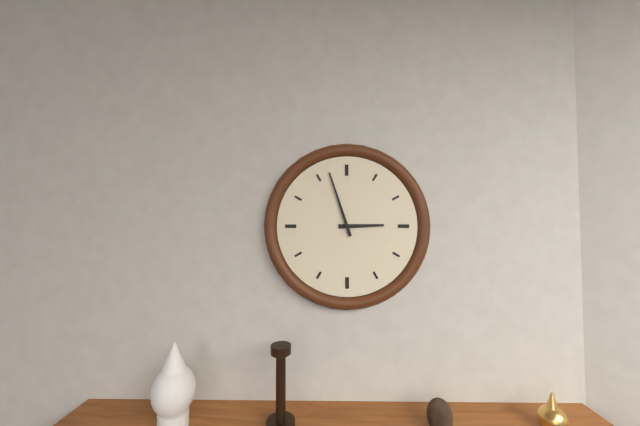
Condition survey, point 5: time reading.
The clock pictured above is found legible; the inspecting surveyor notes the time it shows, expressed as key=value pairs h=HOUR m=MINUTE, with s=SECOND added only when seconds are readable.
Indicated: h=2 m=57
